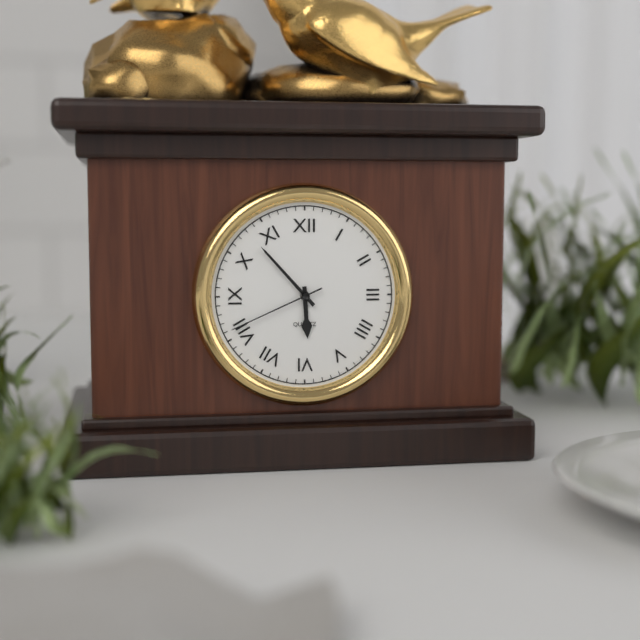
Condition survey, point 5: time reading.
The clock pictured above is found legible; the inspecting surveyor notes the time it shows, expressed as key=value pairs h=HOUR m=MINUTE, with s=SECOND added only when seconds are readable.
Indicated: h=5 m=53 s=41
